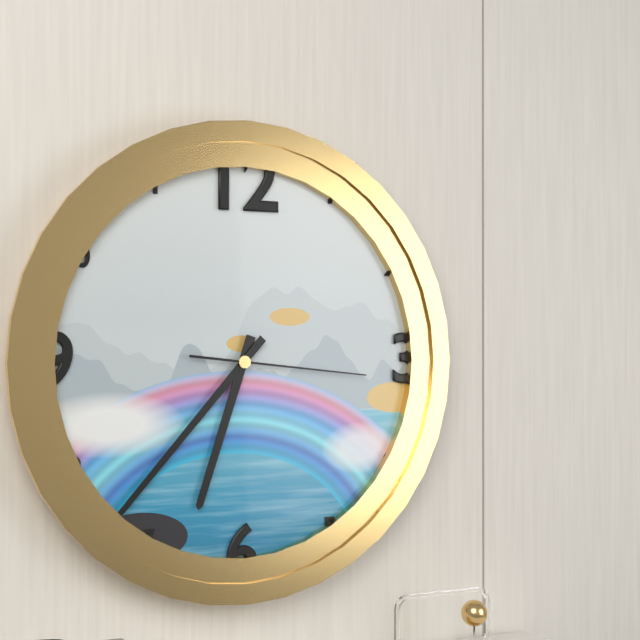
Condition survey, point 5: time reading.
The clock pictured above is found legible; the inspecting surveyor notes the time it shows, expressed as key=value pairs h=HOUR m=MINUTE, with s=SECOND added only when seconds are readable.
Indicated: h=6 m=37 s=16
